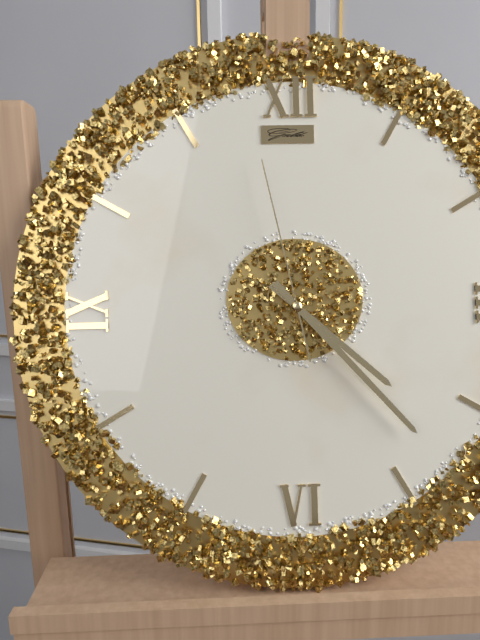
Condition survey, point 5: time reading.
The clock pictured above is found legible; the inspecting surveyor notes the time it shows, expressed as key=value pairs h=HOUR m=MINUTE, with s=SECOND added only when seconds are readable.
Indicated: h=4 m=23 s=58
